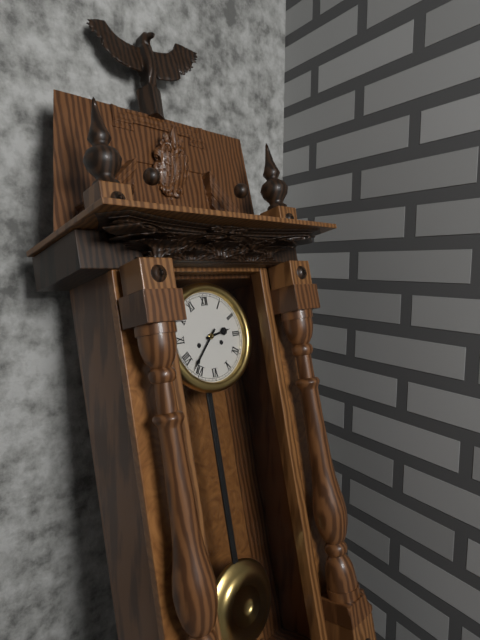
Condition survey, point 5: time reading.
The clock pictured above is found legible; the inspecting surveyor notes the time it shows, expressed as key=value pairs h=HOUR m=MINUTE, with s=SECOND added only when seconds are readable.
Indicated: h=2 m=37
